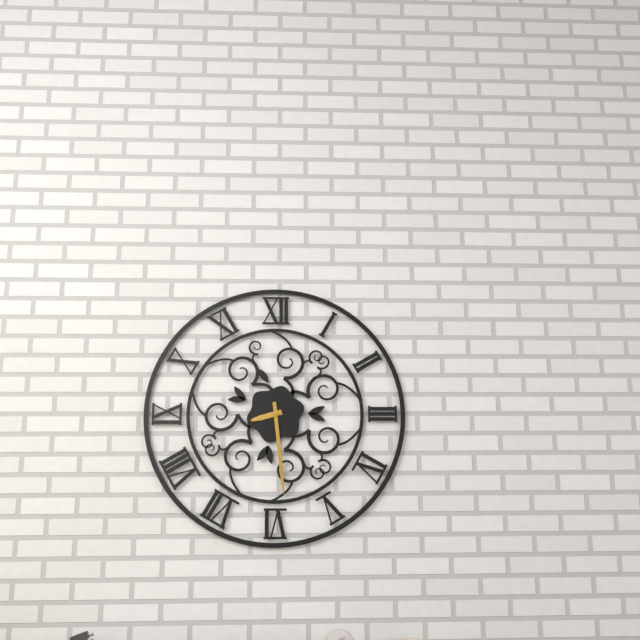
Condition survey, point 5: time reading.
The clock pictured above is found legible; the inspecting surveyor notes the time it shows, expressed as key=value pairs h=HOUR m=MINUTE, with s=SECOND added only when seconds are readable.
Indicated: h=8 m=29
